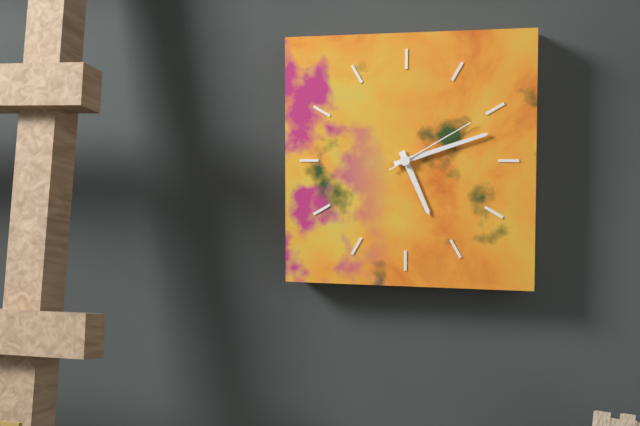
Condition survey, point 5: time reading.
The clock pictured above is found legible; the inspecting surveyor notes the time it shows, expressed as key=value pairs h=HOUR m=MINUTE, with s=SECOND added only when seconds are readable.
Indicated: h=5 m=12 s=10
